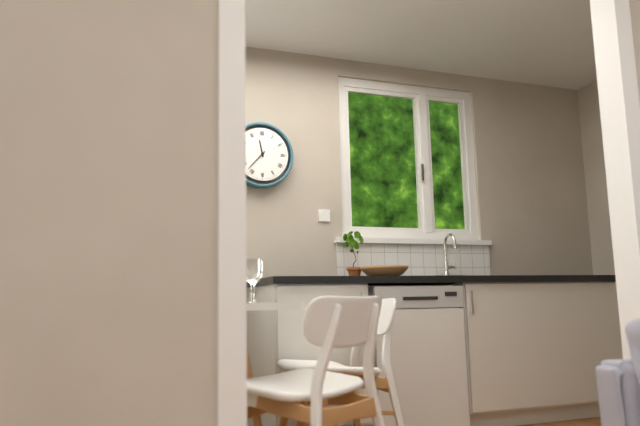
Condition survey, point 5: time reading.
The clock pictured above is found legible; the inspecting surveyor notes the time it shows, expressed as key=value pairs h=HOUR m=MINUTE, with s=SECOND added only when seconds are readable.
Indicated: h=11 m=37
